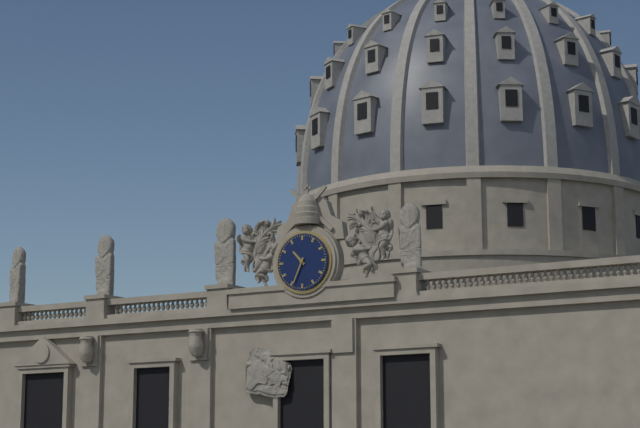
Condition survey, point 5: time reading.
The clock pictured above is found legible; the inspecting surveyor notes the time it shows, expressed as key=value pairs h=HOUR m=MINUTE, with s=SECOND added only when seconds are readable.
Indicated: h=10 m=34
